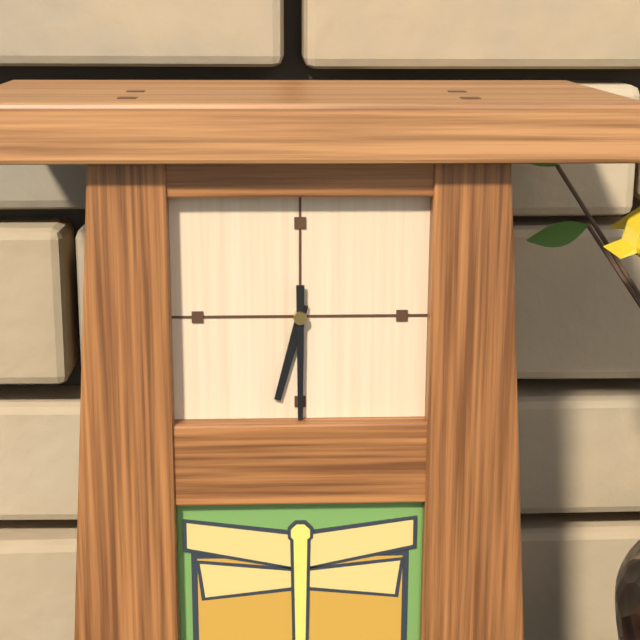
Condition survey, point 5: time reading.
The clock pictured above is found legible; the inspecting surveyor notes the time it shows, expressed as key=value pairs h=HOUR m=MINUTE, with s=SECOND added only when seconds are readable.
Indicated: h=6 m=30
